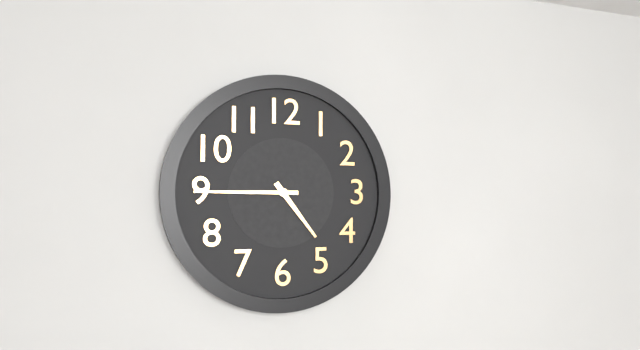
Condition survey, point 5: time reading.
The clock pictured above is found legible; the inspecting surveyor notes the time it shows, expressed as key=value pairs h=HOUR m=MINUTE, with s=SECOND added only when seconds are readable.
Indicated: h=4 m=45
